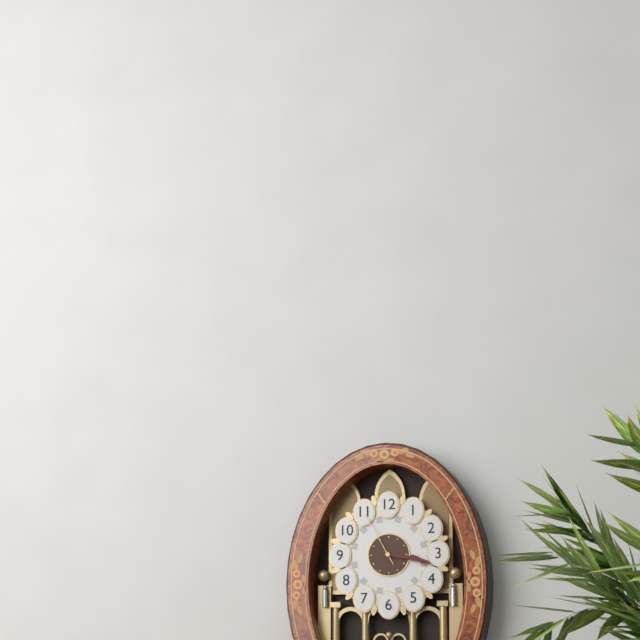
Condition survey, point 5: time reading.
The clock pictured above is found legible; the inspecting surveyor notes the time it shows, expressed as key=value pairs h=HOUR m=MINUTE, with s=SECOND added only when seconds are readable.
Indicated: h=3 m=17 s=55
